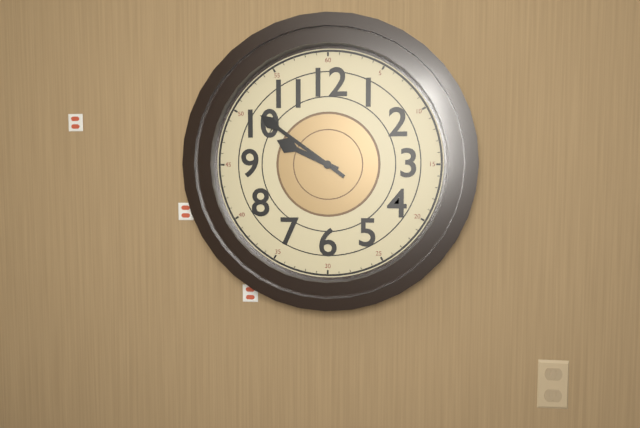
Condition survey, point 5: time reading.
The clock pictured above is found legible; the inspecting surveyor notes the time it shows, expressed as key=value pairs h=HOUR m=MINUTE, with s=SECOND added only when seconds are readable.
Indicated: h=9 m=51
